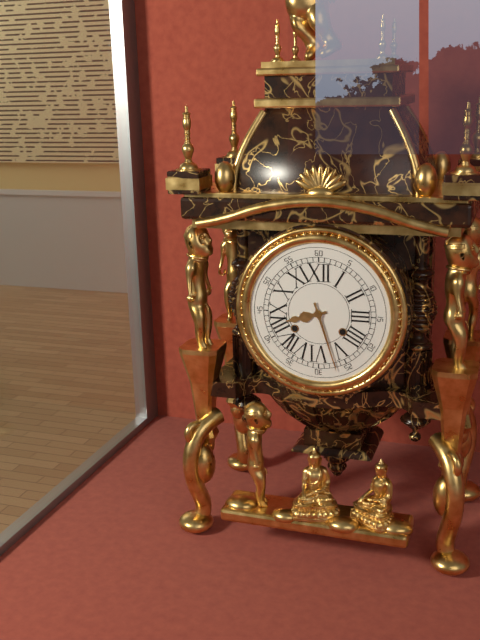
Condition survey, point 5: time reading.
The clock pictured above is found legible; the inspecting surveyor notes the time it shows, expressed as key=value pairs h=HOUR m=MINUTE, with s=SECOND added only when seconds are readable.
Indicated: h=8 m=27
